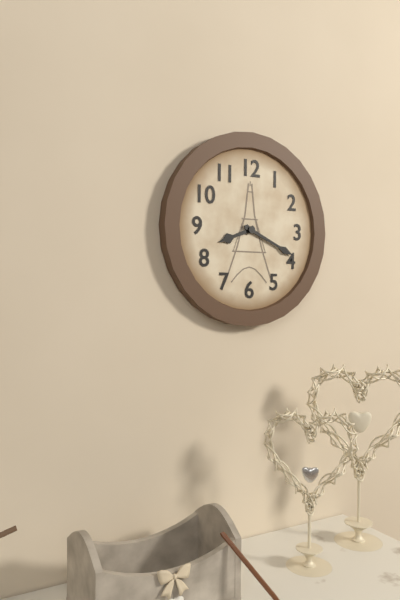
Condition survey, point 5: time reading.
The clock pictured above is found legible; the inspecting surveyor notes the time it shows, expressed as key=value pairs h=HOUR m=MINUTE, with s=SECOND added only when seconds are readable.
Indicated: h=8 m=19
